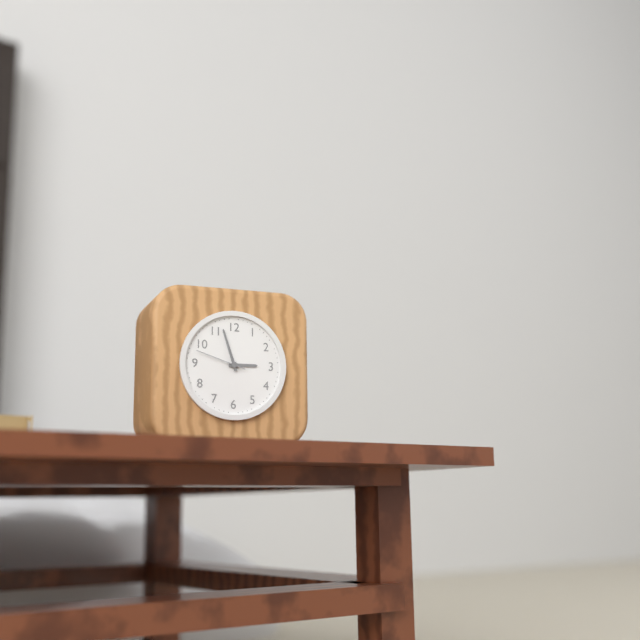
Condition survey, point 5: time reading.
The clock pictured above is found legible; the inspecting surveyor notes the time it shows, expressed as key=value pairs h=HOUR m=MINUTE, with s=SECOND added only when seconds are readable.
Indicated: h=2 m=57 s=48
